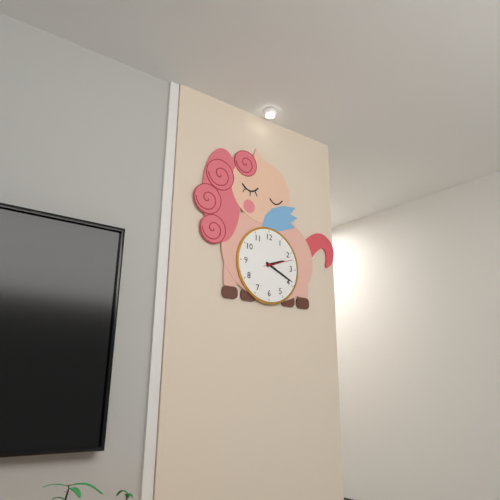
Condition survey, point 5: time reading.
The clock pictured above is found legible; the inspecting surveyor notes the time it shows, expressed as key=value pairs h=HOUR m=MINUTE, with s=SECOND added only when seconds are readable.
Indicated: h=2 m=19
